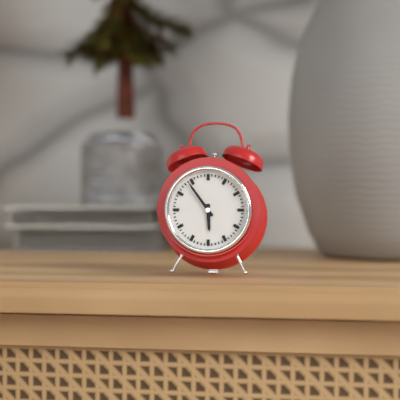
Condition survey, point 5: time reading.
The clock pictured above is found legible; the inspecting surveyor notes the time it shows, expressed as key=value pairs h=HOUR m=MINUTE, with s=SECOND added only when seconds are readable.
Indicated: h=5 m=54
